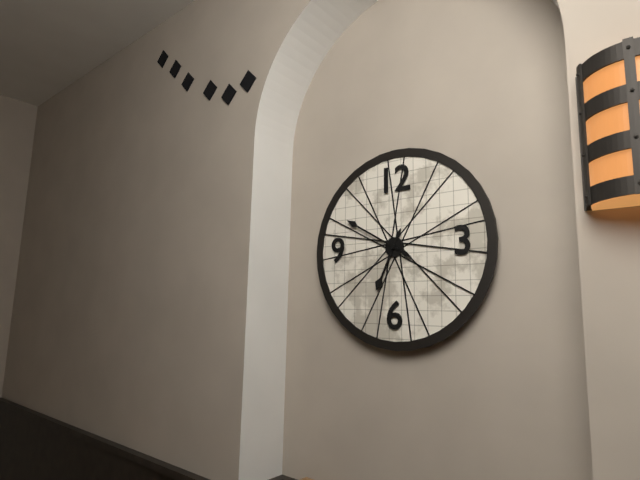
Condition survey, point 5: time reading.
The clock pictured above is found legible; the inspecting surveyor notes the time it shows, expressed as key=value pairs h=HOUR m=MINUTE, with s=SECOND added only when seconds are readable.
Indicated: h=6 m=50
